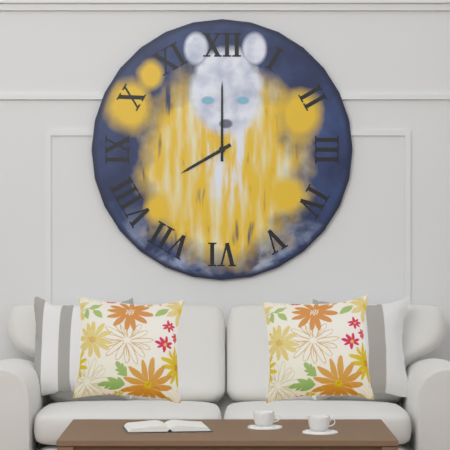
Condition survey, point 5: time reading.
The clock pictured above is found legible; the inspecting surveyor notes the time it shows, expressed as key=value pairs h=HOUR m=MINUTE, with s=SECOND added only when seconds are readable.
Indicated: h=8 m=0
